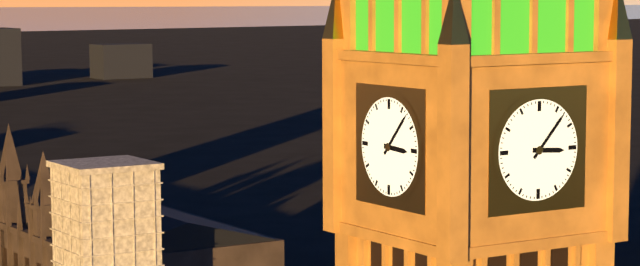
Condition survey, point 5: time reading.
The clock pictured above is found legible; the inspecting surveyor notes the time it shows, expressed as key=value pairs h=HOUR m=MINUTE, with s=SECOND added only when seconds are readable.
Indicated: h=3 m=7
